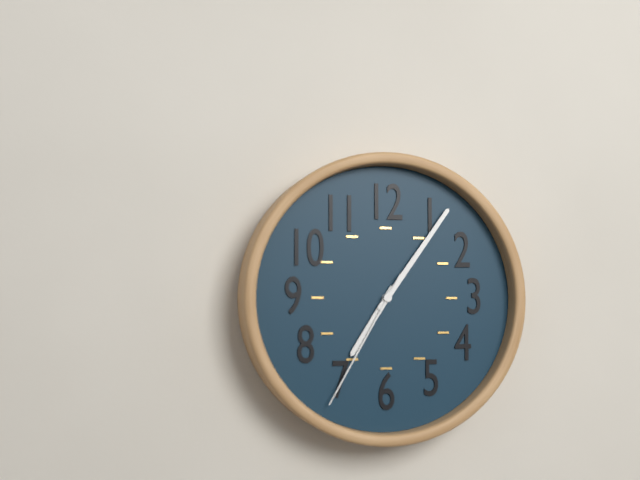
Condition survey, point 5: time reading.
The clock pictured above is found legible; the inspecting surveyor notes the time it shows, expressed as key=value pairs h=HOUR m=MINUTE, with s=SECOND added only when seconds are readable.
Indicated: h=7 m=6 s=35
